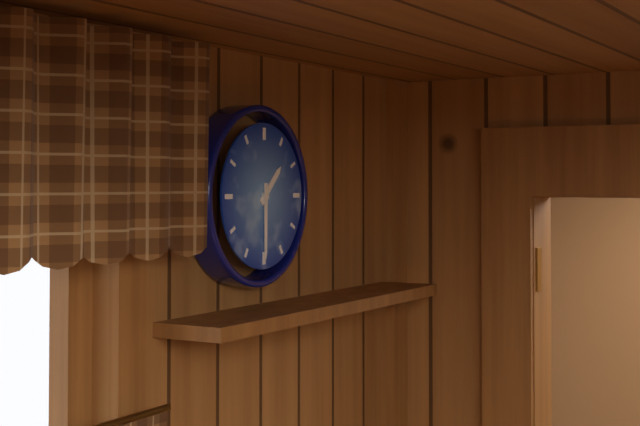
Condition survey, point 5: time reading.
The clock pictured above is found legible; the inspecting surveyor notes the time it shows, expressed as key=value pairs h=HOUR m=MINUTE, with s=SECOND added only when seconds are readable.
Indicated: h=1 m=30
